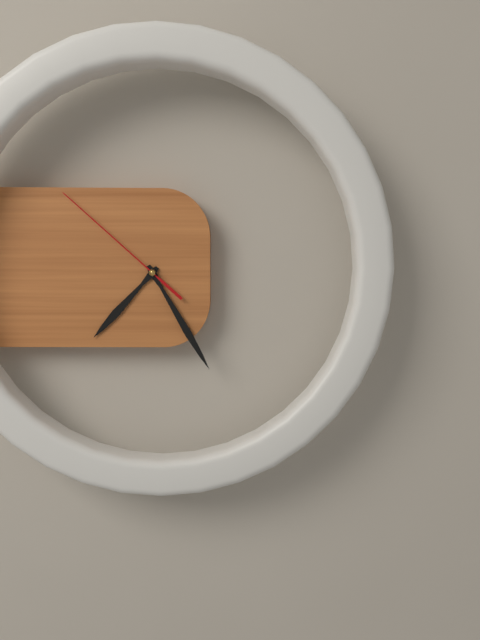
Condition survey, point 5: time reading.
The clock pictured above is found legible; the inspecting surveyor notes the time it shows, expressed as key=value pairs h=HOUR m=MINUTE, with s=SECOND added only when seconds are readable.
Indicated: h=7 m=25 s=52
